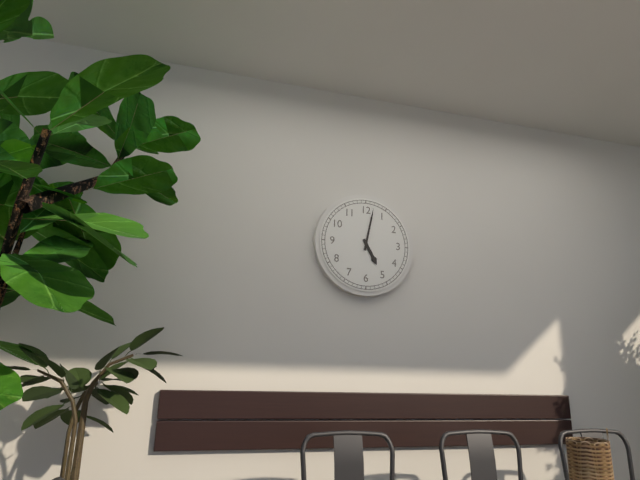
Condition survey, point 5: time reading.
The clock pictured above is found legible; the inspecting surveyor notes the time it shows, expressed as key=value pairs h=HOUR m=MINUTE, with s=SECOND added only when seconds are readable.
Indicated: h=5 m=2
